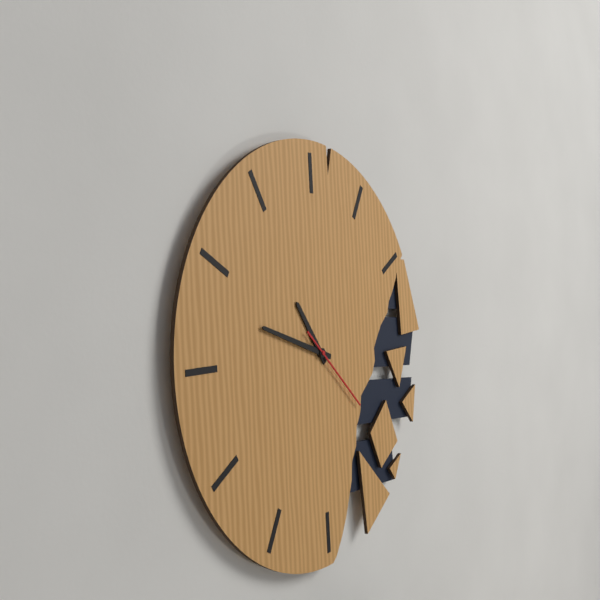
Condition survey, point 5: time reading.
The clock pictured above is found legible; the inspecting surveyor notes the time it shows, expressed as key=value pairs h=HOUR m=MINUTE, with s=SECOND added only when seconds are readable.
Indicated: h=10 m=48 s=22
